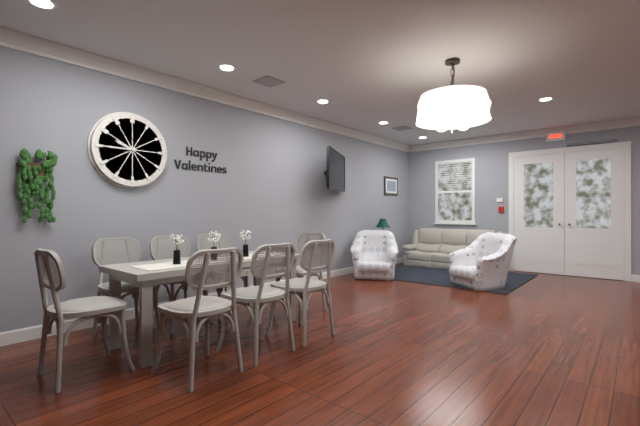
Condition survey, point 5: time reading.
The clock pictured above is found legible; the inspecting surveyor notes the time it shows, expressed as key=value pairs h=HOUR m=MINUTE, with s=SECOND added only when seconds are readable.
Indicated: h=9 m=45
